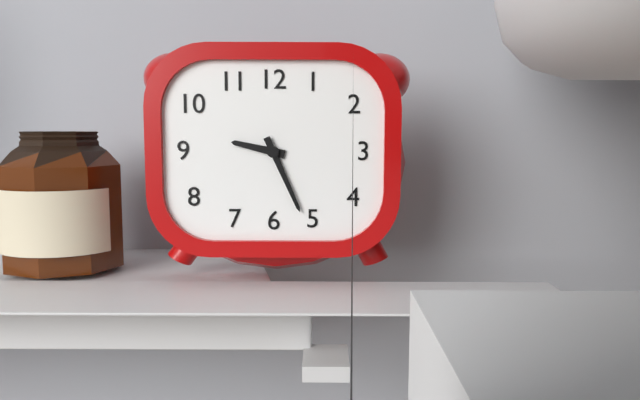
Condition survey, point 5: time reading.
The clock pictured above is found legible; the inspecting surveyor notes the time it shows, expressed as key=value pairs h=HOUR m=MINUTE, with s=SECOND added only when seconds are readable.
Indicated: h=9 m=26
